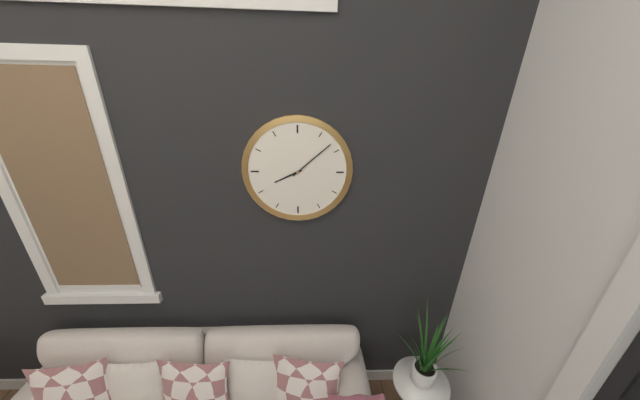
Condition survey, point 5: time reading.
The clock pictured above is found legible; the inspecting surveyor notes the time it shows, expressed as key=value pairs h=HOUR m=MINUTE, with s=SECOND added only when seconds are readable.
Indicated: h=8 m=8
